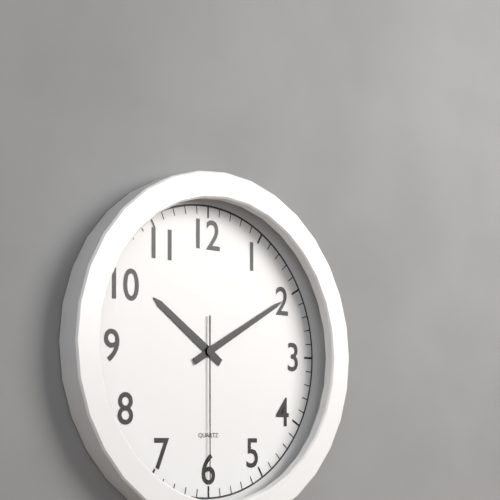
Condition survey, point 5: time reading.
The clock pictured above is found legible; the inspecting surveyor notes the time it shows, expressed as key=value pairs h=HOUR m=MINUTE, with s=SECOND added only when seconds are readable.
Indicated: h=10 m=10 s=30
